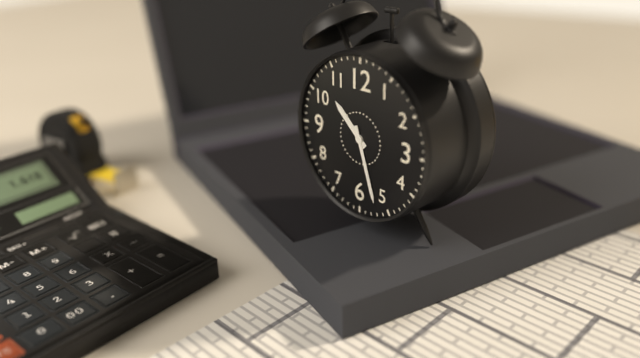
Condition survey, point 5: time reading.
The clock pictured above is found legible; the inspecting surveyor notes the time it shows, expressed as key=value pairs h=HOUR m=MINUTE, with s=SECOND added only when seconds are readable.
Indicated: h=10 m=27
